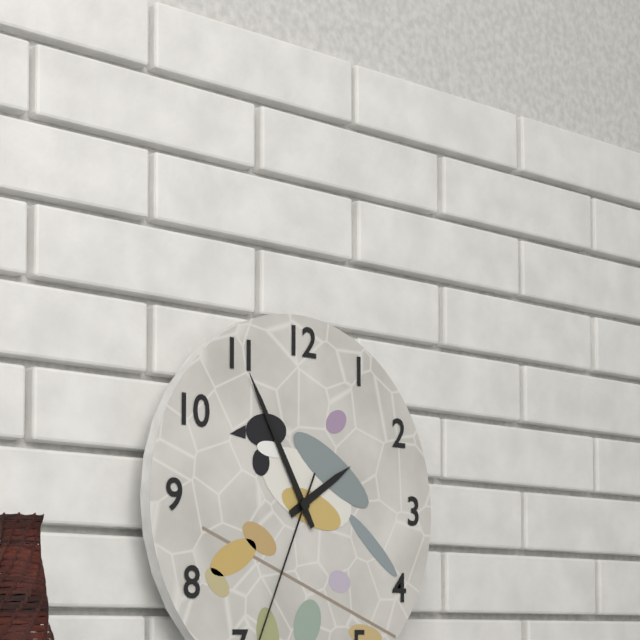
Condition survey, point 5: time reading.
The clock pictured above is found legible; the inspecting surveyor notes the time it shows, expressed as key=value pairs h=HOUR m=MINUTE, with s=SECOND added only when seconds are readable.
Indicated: h=1 m=55
